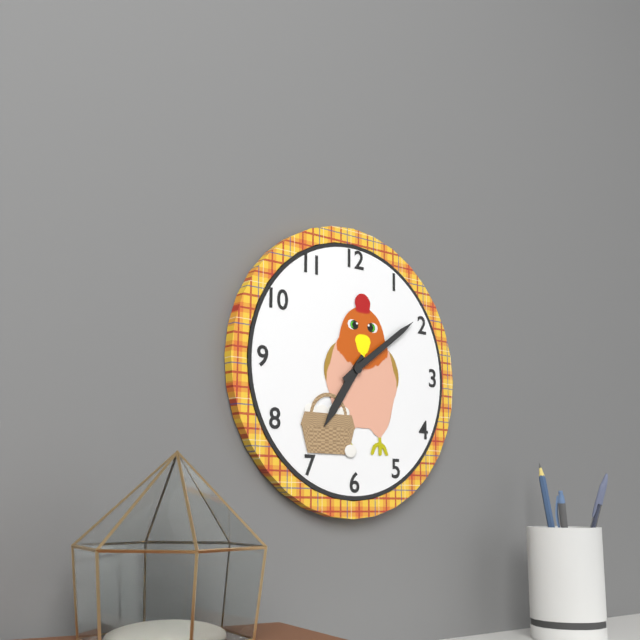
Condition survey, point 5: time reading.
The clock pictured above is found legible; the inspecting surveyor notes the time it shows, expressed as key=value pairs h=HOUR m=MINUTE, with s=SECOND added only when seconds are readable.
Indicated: h=7 m=9
